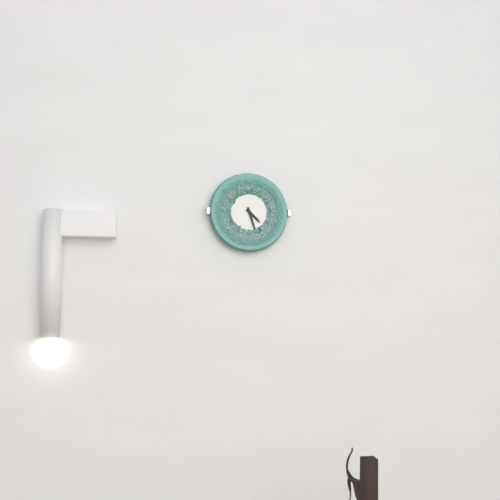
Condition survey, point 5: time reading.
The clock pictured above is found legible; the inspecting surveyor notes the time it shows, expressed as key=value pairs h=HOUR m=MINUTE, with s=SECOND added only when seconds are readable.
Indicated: h=4 m=27
